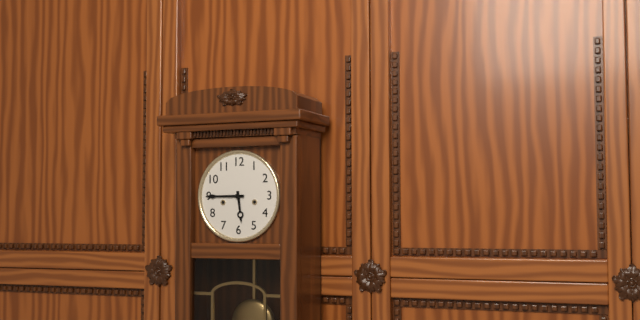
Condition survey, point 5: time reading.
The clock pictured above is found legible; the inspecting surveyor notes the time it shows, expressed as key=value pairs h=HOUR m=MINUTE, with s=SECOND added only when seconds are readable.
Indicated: h=5 m=45
